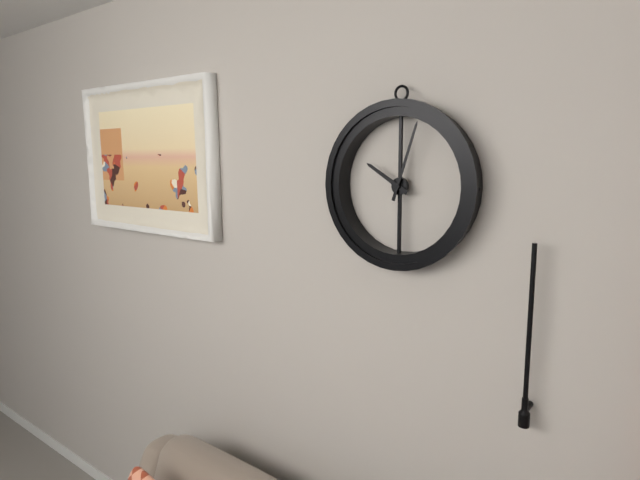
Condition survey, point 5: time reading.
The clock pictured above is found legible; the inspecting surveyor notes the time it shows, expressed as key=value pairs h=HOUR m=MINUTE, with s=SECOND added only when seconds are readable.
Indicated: h=10 m=3
